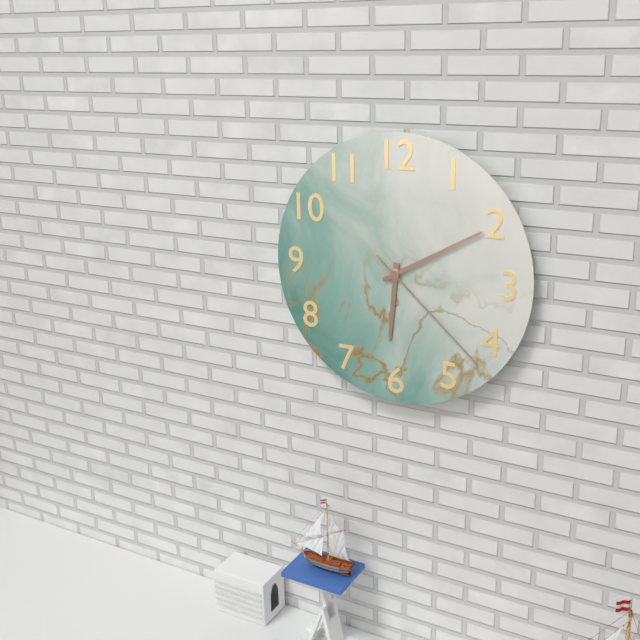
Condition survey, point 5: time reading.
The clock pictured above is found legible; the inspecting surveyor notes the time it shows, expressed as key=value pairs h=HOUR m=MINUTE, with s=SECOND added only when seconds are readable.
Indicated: h=6 m=10 s=22
